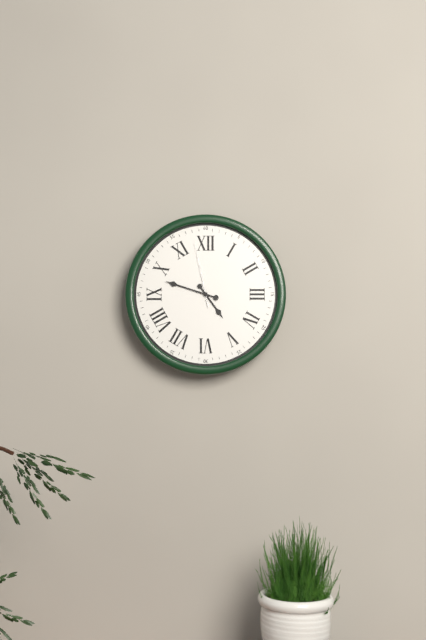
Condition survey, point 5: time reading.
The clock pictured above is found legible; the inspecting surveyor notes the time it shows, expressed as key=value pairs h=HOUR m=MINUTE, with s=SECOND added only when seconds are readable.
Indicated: h=4 m=48 s=58
